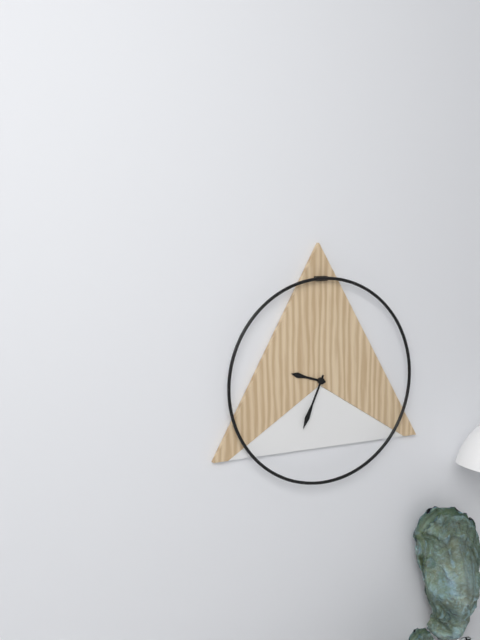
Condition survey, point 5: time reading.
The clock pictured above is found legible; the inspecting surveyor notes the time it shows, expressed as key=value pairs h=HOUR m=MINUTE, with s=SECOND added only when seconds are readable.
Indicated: h=9 m=34
